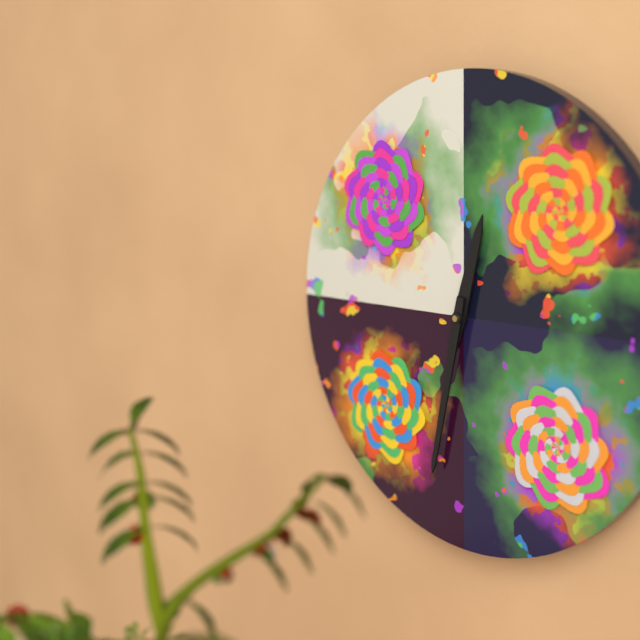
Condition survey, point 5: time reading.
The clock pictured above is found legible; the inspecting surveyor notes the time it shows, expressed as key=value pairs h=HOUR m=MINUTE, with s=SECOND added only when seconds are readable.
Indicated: h=12 m=32
